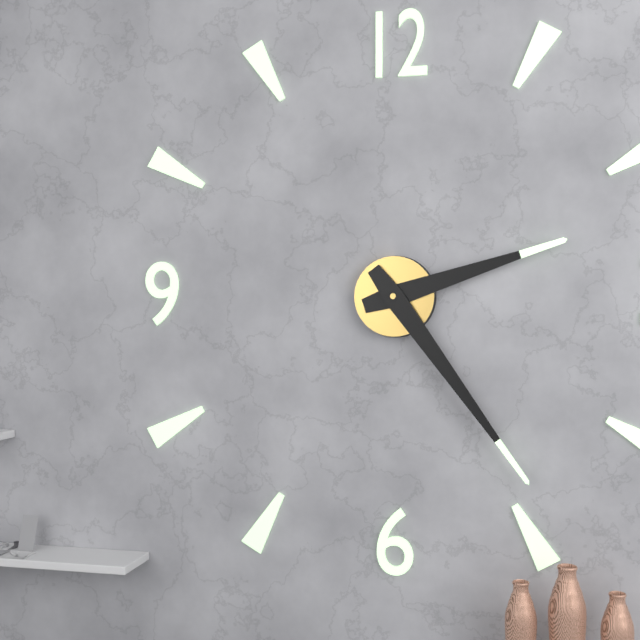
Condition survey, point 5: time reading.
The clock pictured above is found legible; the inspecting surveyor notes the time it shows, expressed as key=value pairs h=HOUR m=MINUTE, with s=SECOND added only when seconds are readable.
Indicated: h=2 m=24
